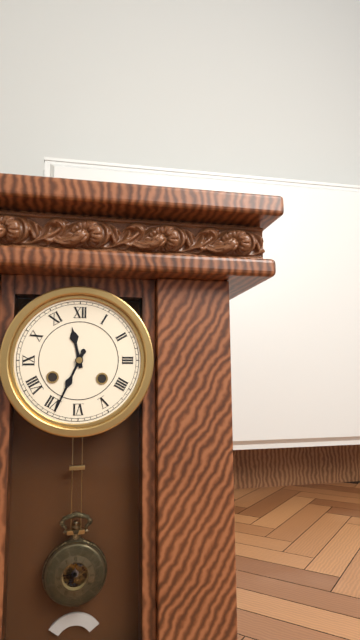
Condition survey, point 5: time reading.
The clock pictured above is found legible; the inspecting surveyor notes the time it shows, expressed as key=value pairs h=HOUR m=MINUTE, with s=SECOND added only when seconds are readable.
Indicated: h=11 m=34
